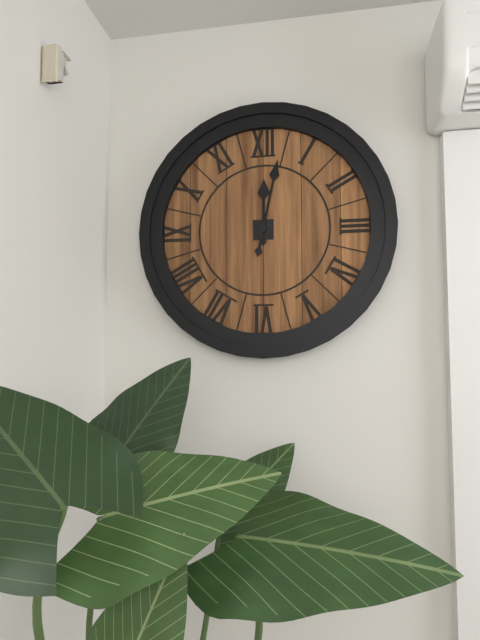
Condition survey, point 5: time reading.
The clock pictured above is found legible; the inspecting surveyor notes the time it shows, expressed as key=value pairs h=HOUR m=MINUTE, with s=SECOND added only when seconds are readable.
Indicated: h=12 m=2
